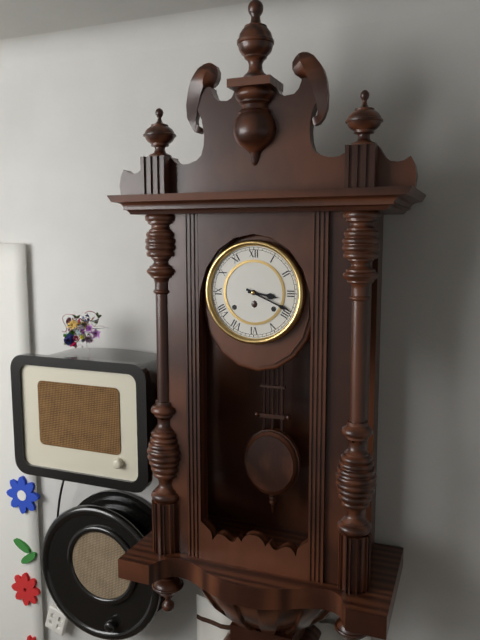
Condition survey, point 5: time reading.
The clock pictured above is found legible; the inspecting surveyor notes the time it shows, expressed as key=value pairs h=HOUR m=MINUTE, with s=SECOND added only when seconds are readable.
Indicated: h=3 m=19
